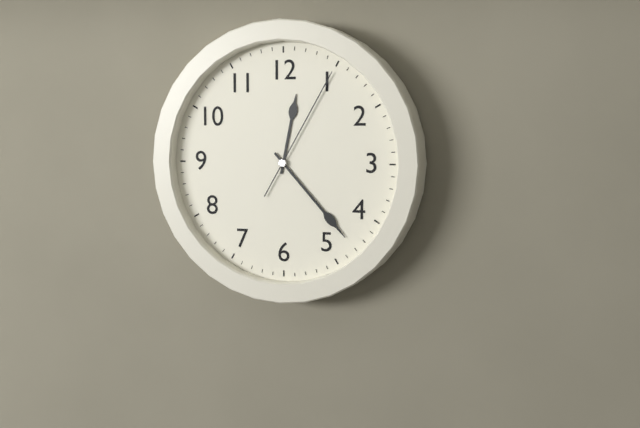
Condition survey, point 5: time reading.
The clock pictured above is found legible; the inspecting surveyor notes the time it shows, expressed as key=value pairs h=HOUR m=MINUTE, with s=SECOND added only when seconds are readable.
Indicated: h=12 m=23 s=5
